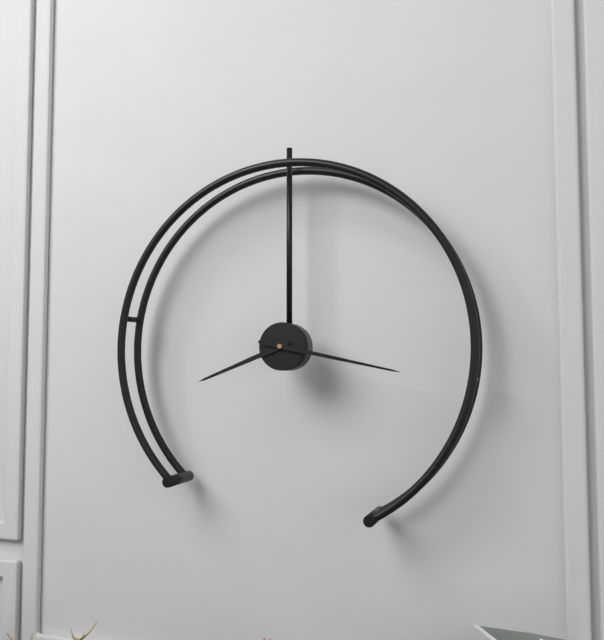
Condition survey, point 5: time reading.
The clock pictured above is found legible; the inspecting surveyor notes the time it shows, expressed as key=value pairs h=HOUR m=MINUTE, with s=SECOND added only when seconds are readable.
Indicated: h=8 m=17
